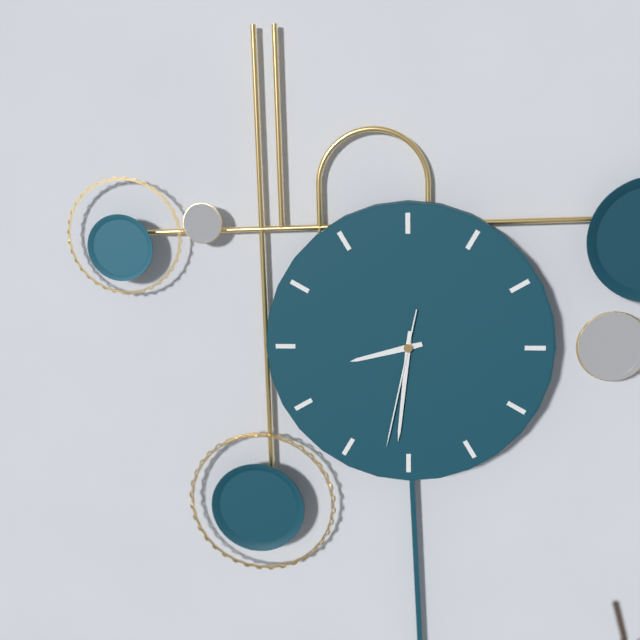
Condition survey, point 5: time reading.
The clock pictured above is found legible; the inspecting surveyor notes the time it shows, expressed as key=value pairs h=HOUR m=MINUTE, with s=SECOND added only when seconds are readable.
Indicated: h=8 m=31 s=32
